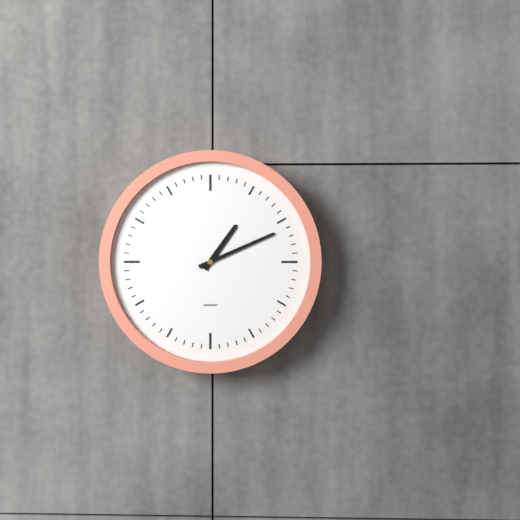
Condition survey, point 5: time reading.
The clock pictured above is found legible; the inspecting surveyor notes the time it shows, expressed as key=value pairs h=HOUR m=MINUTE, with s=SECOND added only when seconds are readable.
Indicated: h=1 m=11
